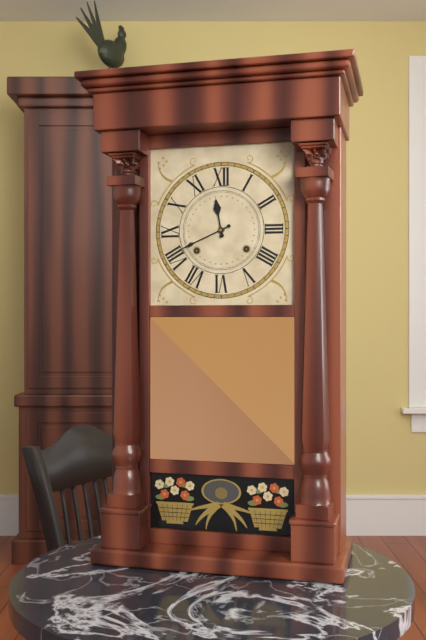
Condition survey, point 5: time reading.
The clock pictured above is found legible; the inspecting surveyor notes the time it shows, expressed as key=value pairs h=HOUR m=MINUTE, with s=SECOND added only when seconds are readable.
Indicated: h=11 m=41
